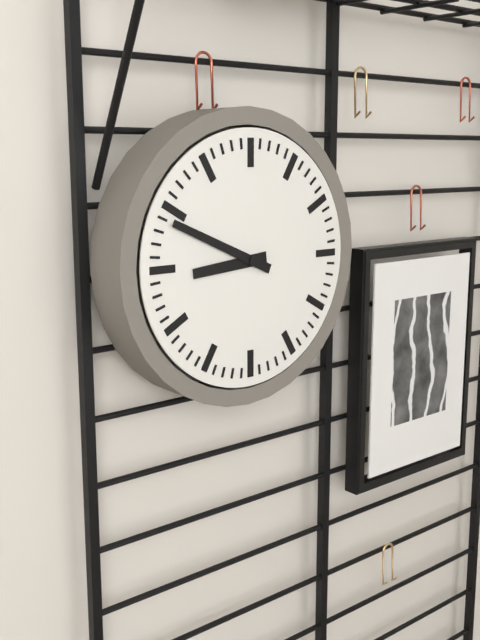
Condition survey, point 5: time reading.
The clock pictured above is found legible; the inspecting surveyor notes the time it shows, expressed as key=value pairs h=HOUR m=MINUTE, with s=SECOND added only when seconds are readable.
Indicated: h=8 m=49
